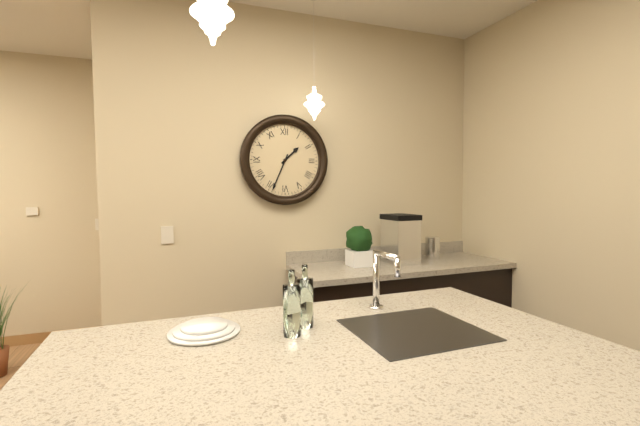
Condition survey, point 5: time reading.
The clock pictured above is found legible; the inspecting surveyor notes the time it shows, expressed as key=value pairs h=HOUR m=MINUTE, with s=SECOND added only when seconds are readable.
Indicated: h=1 m=34
